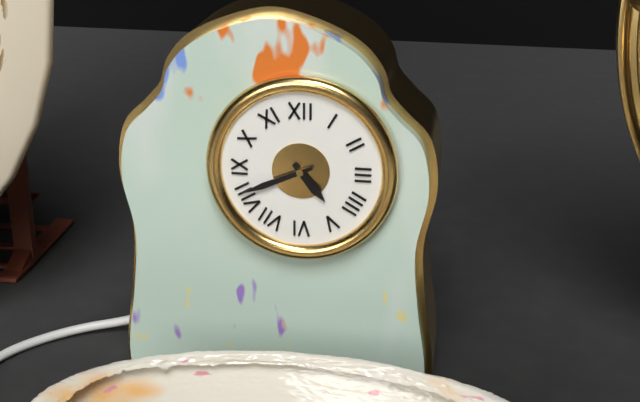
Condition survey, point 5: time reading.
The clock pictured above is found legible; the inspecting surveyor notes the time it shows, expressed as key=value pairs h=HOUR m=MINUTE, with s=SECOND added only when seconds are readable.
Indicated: h=4 m=41
